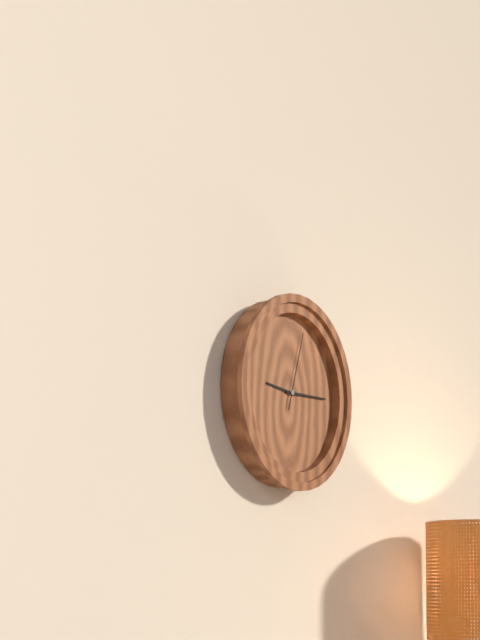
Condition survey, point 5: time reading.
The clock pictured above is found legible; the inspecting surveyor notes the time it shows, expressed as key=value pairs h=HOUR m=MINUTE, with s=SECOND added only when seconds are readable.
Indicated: h=9 m=15 s=3
